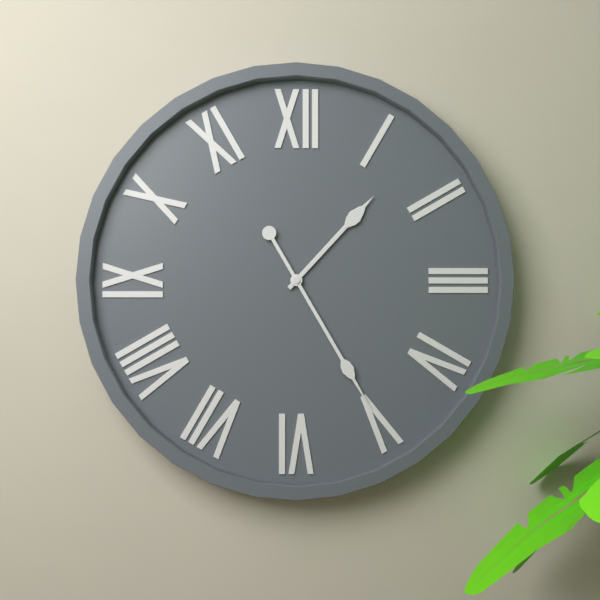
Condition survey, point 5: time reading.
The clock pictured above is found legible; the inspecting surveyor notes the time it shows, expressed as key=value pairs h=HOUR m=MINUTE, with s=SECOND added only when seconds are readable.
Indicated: h=1 m=25
